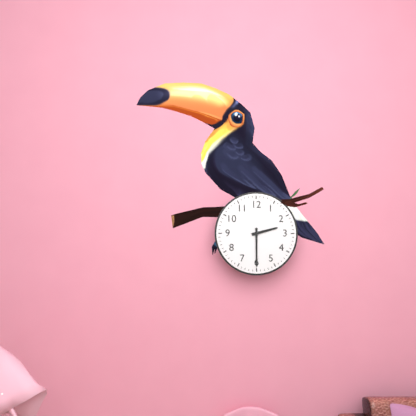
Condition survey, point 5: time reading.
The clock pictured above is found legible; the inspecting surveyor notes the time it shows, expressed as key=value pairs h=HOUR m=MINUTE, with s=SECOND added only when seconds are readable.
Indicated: h=2 m=30
